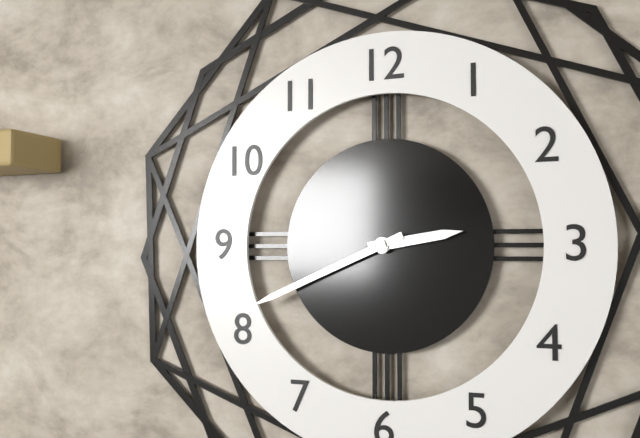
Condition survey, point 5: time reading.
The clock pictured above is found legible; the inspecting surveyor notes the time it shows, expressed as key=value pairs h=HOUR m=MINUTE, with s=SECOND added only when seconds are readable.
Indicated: h=2 m=41
